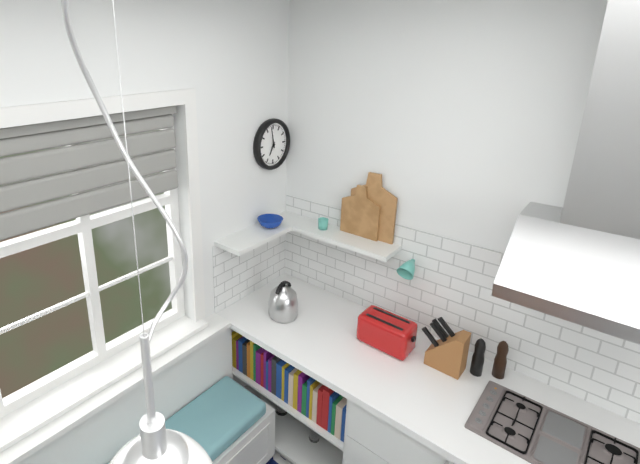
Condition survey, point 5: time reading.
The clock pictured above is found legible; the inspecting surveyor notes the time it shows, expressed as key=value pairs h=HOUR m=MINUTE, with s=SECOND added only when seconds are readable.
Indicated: h=6 m=58
